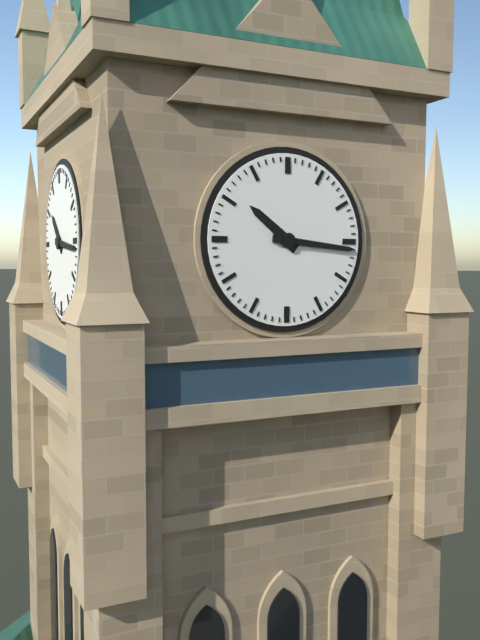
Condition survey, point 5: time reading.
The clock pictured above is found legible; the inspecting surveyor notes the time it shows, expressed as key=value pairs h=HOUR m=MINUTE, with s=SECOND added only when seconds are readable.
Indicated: h=10 m=16
